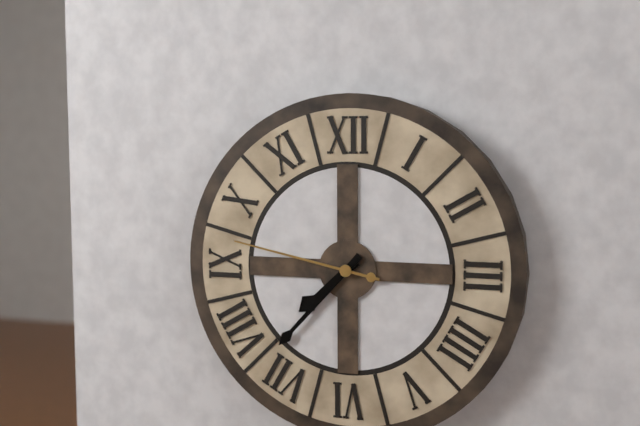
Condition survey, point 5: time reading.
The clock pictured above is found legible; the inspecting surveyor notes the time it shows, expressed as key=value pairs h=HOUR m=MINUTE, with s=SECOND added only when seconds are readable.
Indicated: h=7 m=37 s=47
